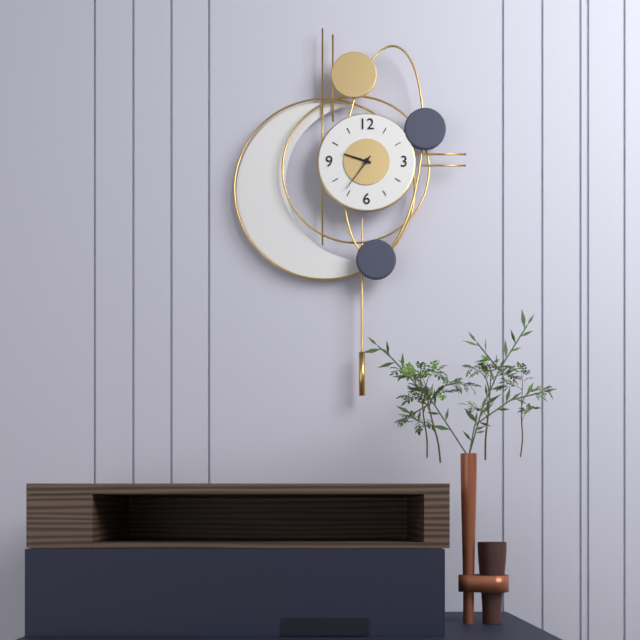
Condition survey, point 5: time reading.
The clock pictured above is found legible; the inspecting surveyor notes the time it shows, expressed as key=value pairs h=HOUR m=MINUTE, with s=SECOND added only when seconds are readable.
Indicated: h=9 m=36
